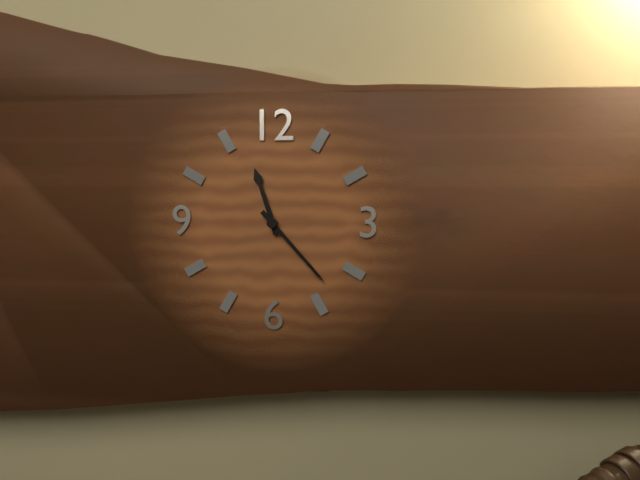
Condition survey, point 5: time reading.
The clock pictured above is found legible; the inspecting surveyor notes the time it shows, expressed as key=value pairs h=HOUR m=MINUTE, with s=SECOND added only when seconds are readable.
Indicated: h=11 m=23
